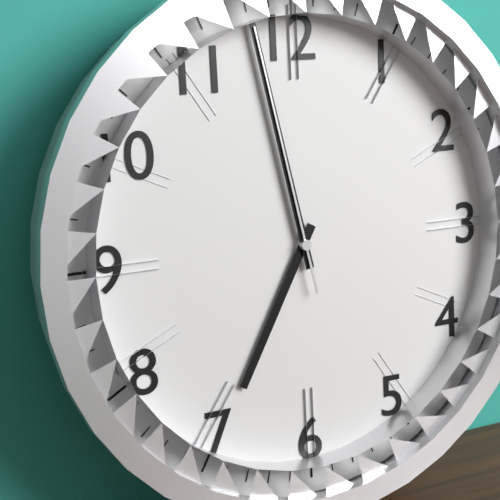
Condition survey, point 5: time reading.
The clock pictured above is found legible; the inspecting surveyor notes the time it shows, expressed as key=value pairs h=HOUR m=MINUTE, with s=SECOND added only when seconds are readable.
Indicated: h=6 m=58 s=58
